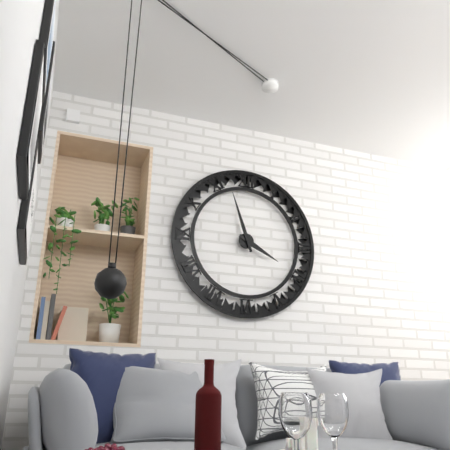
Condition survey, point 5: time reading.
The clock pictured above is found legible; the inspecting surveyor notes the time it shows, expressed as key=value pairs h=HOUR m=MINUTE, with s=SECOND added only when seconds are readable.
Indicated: h=3 m=57
